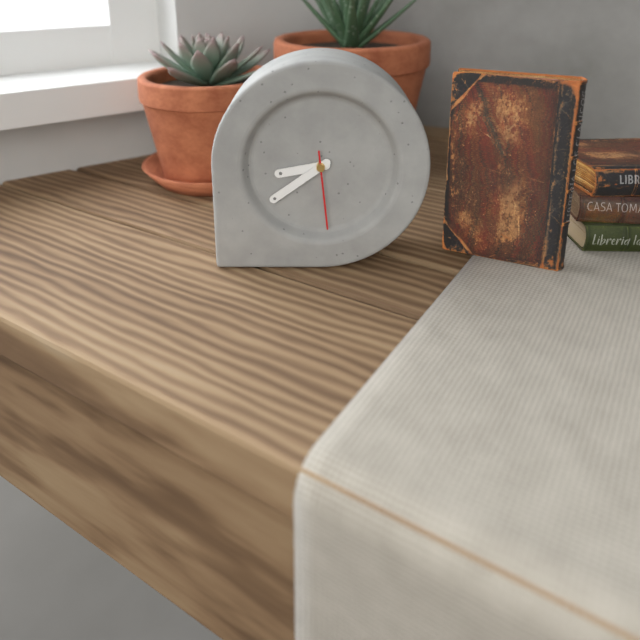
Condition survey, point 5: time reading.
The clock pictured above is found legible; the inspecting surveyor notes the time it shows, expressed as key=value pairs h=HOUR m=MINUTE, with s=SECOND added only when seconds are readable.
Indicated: h=8 m=39 s=29
